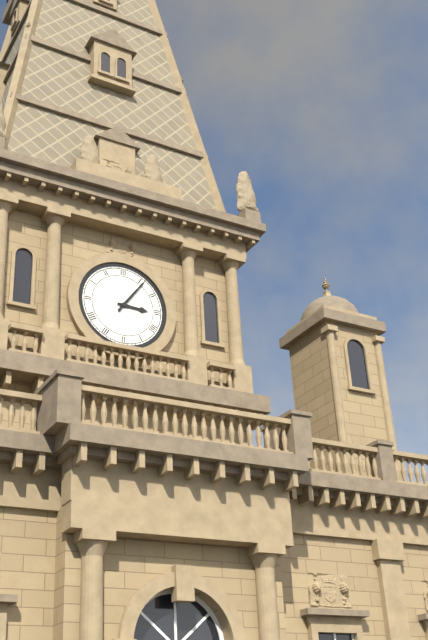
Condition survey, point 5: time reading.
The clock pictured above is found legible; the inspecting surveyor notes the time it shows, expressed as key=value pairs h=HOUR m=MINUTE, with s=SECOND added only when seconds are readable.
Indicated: h=3 m=6
